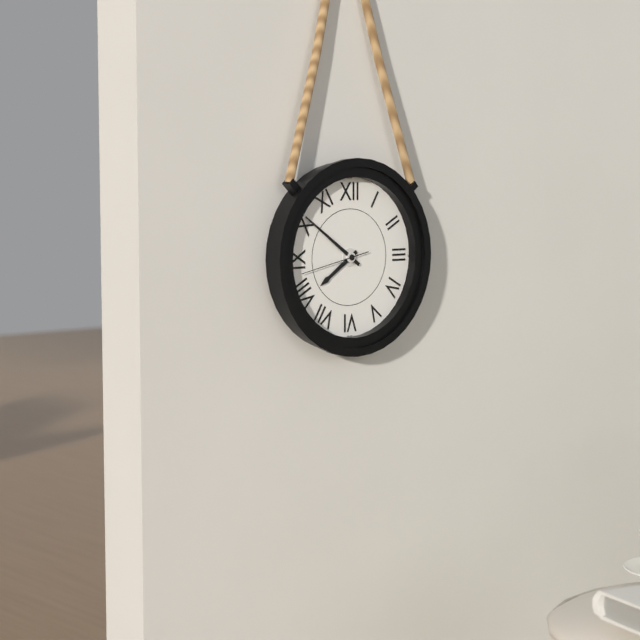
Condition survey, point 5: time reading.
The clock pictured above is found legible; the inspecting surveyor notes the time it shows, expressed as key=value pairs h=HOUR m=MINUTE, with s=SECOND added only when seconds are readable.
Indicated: h=7 m=51 s=43
